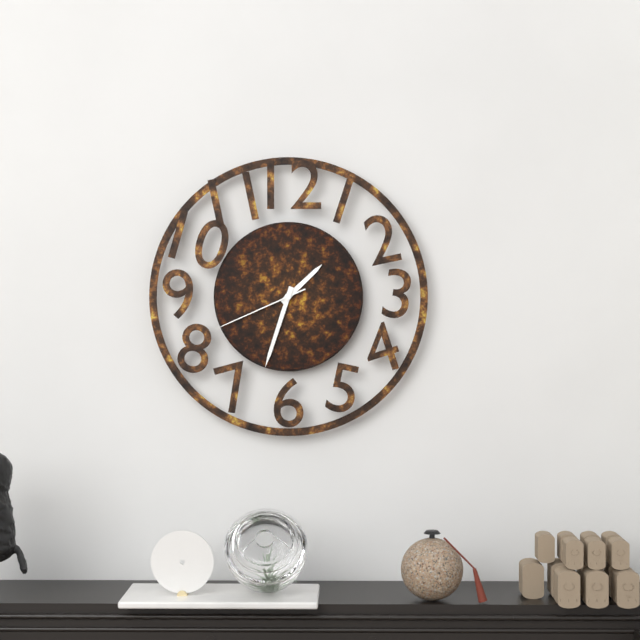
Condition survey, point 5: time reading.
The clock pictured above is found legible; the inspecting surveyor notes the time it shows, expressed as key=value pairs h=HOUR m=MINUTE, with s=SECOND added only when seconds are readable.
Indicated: h=1 m=33 s=41
